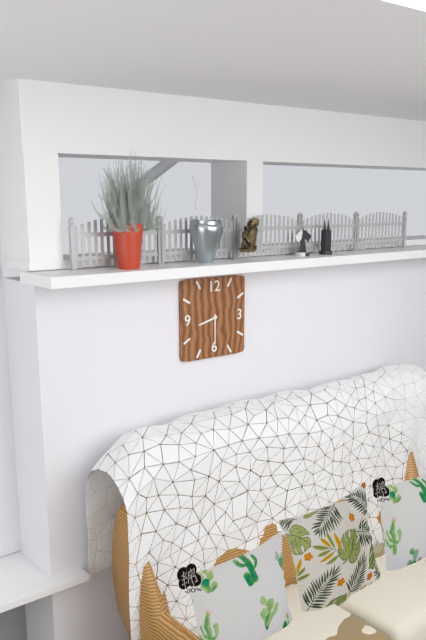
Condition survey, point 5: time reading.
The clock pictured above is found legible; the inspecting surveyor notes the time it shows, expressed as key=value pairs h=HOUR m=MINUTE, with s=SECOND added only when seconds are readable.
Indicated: h=8 m=30
